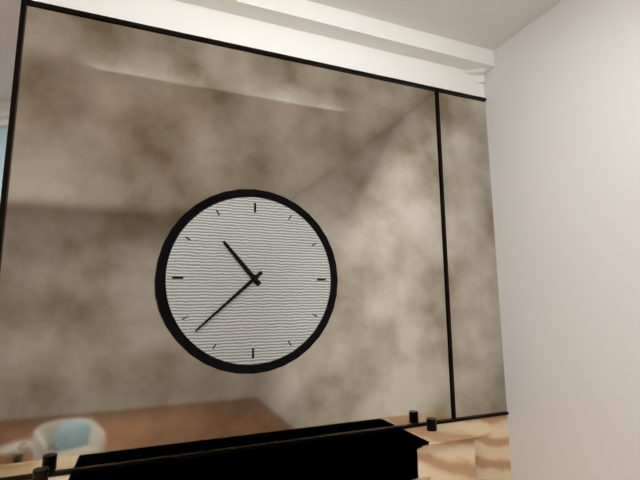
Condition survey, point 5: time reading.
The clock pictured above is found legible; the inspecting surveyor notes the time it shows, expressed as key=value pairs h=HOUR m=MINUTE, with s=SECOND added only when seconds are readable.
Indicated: h=10 m=38
